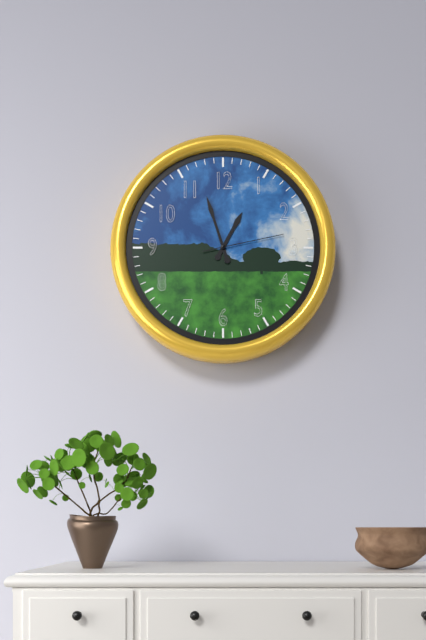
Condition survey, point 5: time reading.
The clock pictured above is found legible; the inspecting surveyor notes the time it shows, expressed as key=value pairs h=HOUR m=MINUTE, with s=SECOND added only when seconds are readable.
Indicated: h=12 m=57 s=13
